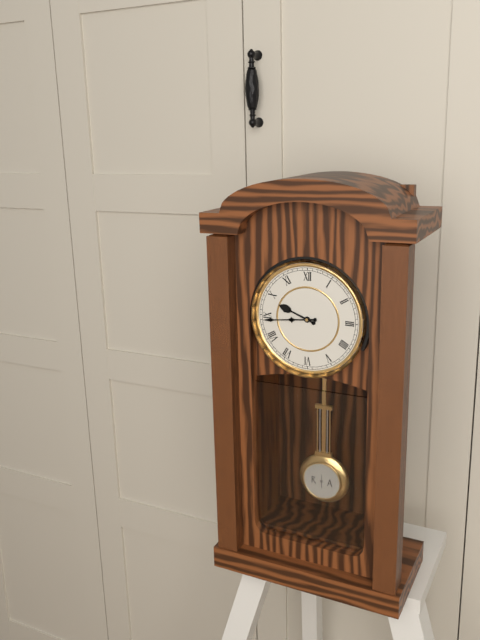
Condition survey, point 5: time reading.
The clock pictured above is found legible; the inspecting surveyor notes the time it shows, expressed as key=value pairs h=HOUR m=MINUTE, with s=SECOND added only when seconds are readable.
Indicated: h=9 m=44
